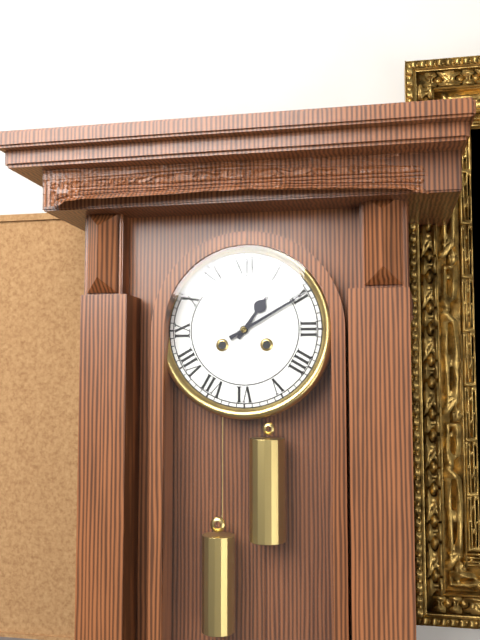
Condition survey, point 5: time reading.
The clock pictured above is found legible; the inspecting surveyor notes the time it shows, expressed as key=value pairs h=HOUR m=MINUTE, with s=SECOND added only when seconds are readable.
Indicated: h=1 m=10
